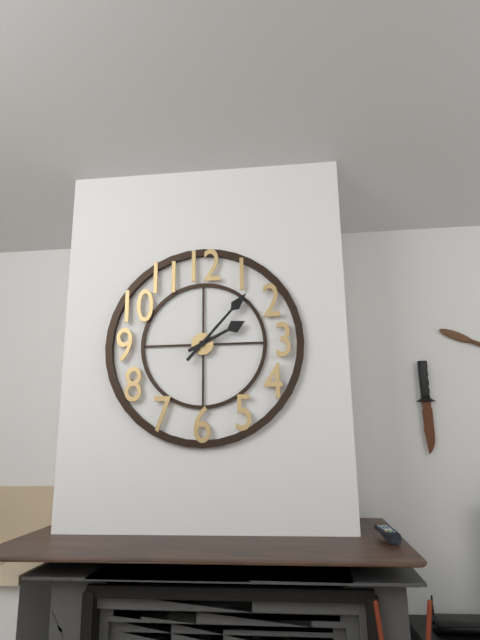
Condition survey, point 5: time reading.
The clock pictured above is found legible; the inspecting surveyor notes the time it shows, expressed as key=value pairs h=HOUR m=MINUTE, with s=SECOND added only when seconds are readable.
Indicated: h=2 m=7
